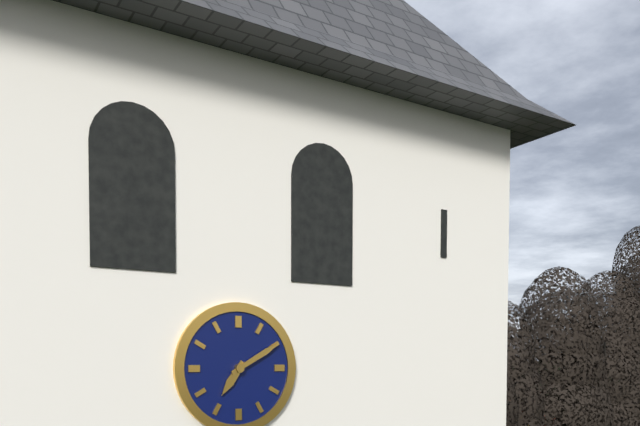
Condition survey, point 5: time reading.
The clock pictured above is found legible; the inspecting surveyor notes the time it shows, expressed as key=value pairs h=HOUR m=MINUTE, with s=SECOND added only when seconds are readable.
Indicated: h=7 m=10
